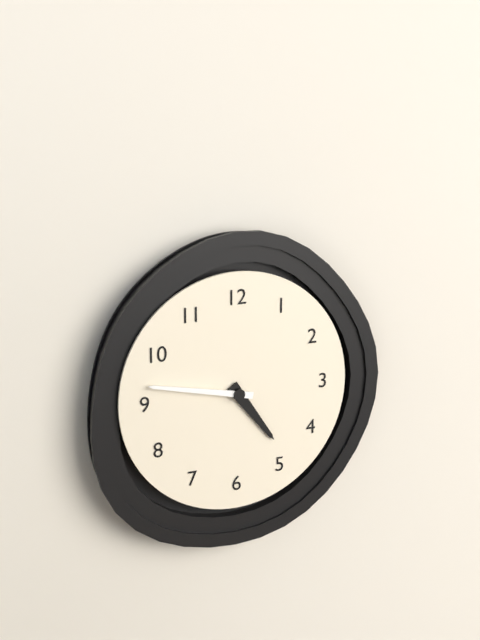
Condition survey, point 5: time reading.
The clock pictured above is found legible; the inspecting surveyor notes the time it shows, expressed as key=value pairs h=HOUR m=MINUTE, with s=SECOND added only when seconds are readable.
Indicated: h=4 m=47
